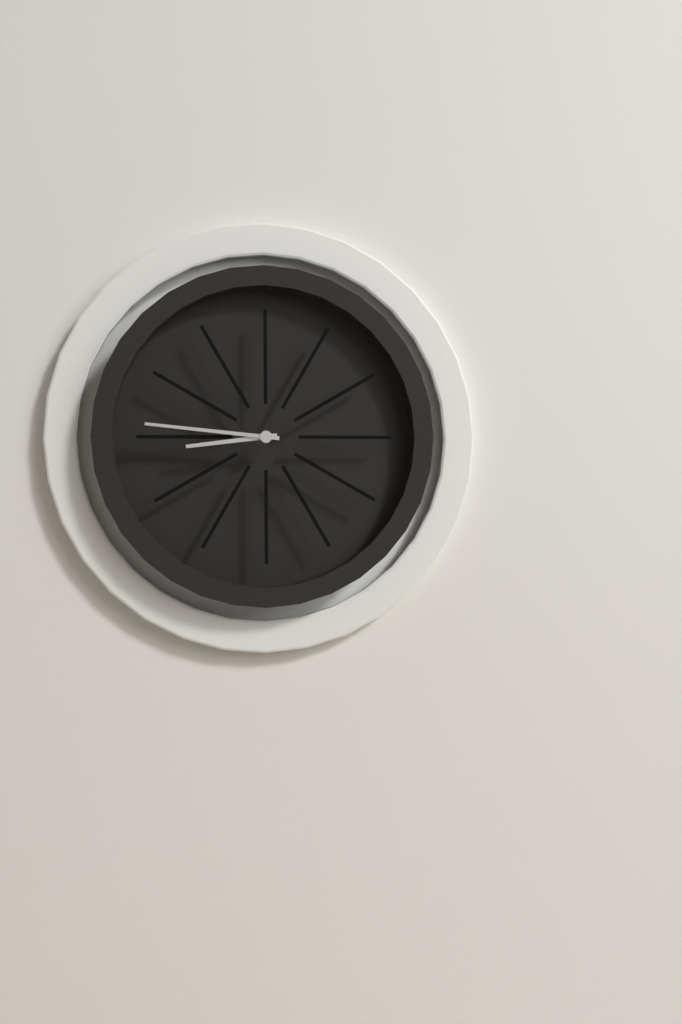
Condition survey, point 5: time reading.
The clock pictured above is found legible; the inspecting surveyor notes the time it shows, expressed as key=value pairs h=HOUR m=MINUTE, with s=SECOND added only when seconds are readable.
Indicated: h=8 m=46
